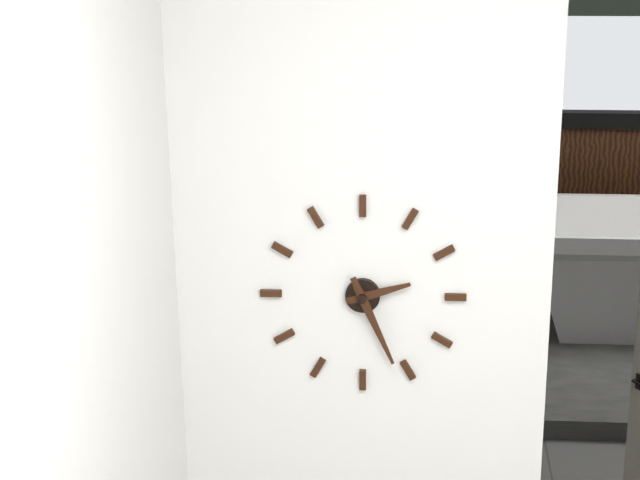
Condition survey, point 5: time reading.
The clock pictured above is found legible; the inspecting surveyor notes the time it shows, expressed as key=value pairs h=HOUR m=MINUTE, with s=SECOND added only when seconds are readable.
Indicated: h=2 m=26
